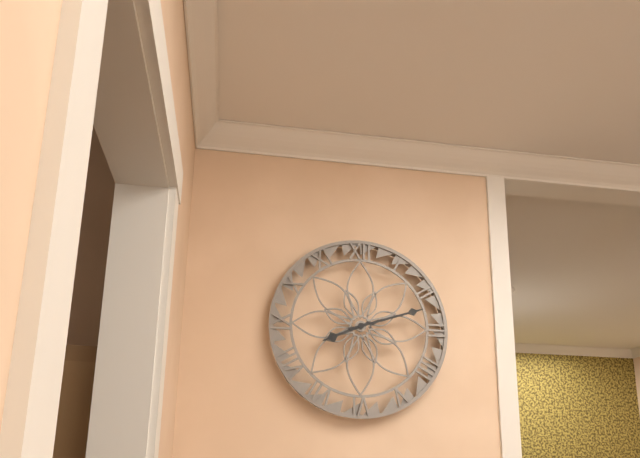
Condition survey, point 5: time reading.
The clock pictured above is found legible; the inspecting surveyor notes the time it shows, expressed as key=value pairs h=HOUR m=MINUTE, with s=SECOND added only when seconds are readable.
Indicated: h=8 m=12
